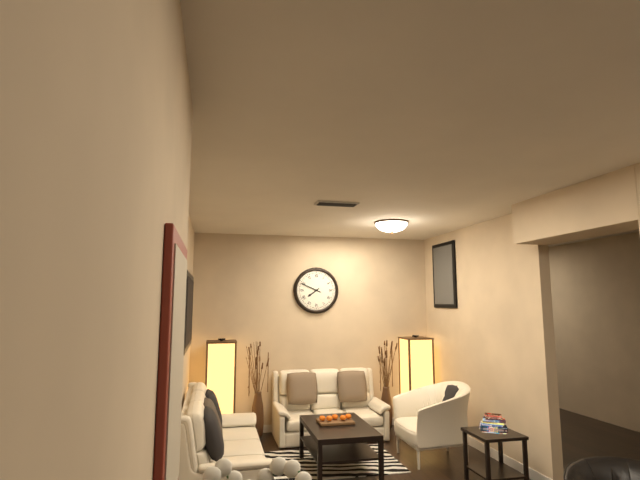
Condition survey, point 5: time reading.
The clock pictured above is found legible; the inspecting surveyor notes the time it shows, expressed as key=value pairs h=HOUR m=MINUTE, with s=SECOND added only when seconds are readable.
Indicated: h=7 m=49
